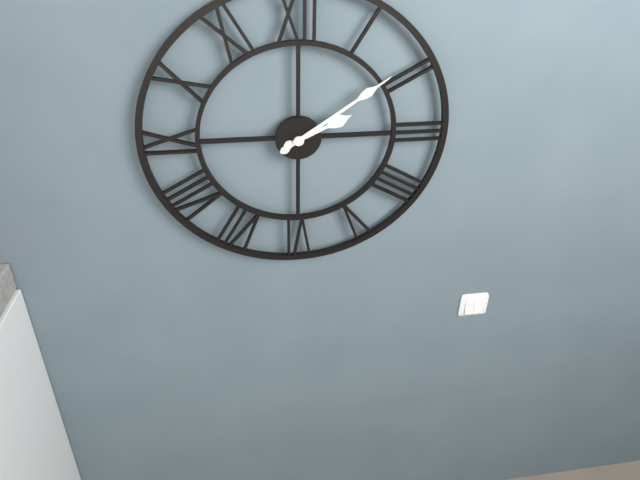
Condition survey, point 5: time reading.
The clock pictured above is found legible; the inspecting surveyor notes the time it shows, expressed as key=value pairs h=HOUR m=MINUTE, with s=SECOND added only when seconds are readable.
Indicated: h=2 m=9
